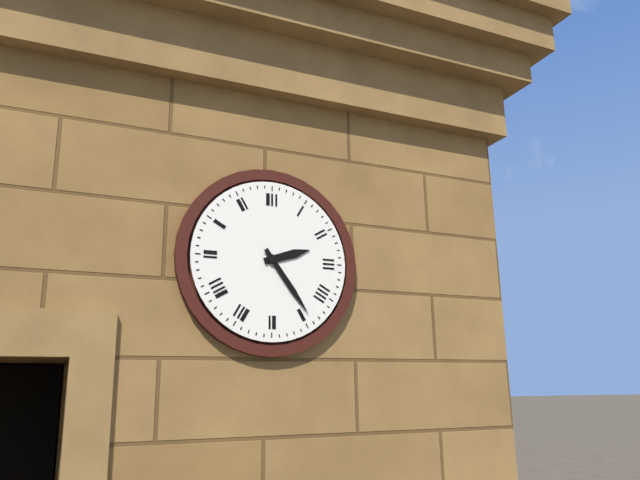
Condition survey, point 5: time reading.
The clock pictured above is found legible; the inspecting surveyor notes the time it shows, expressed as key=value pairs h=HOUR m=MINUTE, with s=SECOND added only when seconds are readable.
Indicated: h=2 m=24
